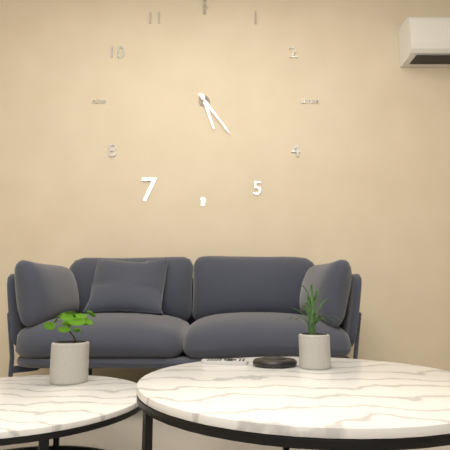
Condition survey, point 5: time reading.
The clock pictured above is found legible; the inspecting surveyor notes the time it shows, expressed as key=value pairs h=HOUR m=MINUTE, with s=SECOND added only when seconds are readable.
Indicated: h=5 m=24
